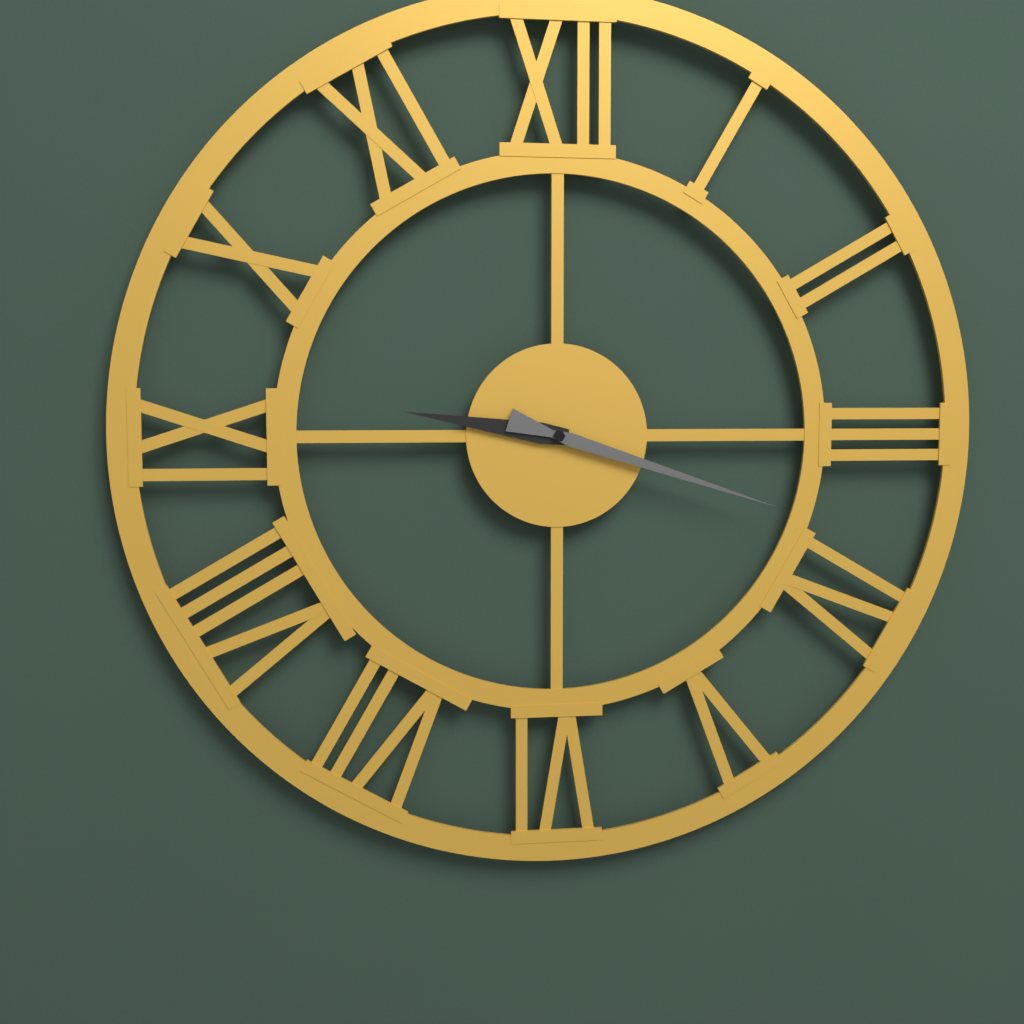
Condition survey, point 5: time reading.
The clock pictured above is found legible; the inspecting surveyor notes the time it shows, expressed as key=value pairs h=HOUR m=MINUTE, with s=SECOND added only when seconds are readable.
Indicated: h=9 m=18
